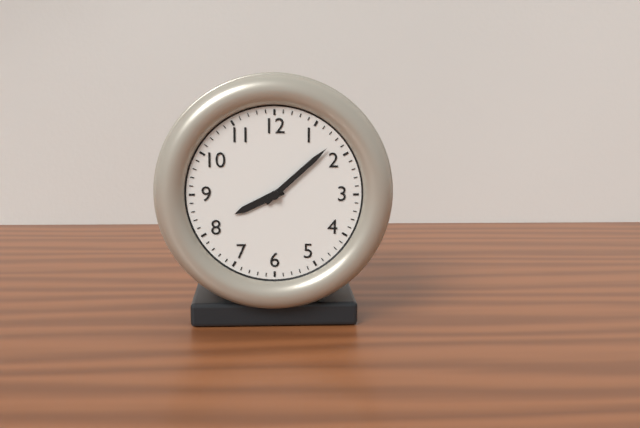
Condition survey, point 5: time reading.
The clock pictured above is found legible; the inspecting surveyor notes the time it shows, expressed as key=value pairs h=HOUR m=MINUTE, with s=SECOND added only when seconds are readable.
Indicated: h=8 m=8
